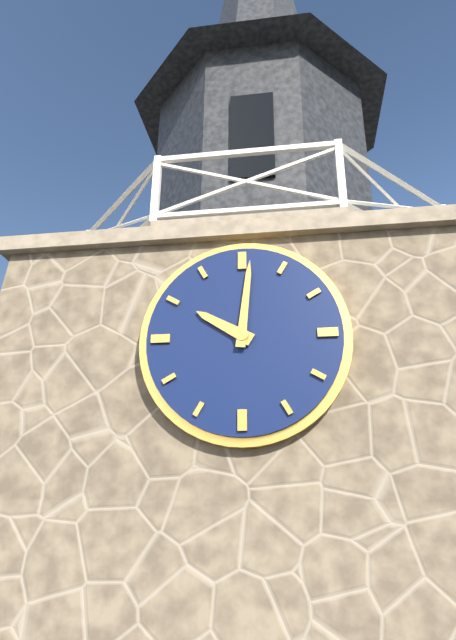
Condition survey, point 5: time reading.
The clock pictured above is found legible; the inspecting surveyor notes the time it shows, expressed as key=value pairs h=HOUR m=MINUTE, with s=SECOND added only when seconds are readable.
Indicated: h=10 m=1
